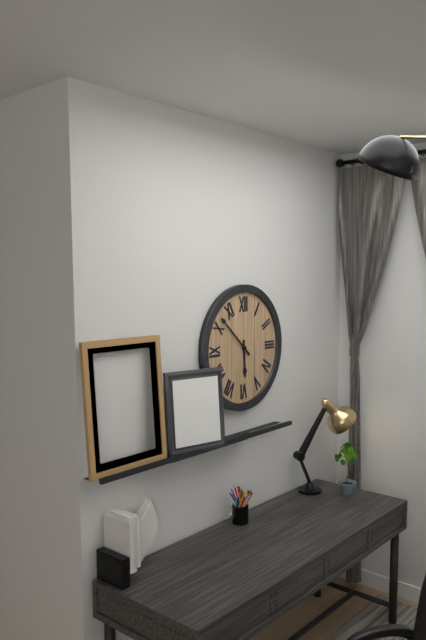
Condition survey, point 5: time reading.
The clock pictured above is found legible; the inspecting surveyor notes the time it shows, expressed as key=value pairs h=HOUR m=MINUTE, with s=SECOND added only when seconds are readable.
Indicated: h=5 m=52
